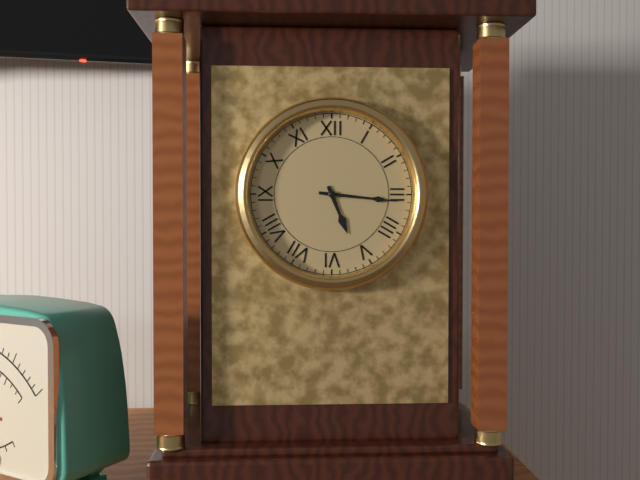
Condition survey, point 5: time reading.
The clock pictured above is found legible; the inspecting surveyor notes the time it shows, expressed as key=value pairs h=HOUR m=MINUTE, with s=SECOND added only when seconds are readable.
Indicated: h=5 m=16
